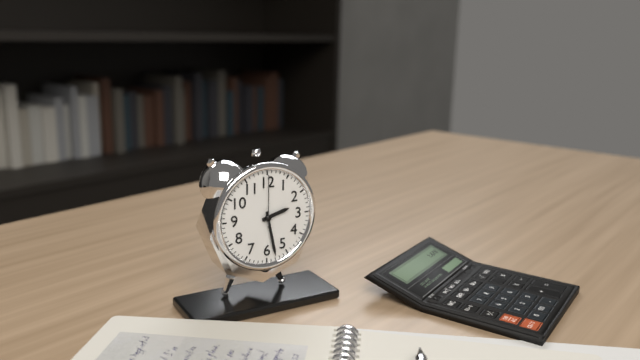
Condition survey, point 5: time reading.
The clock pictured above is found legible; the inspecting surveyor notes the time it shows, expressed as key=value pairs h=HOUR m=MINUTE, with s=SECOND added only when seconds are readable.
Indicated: h=2 m=28 s=0
